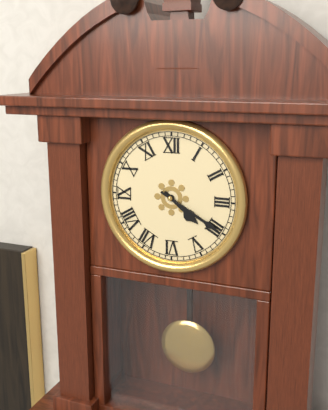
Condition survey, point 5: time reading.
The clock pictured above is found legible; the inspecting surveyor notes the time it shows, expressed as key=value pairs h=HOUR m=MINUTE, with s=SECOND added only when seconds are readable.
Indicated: h=4 m=20
